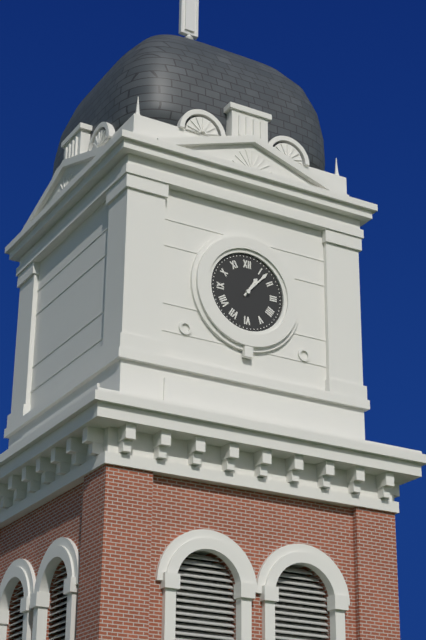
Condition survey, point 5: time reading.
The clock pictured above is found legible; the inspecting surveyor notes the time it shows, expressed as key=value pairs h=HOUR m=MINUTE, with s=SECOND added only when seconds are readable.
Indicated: h=1 m=7
